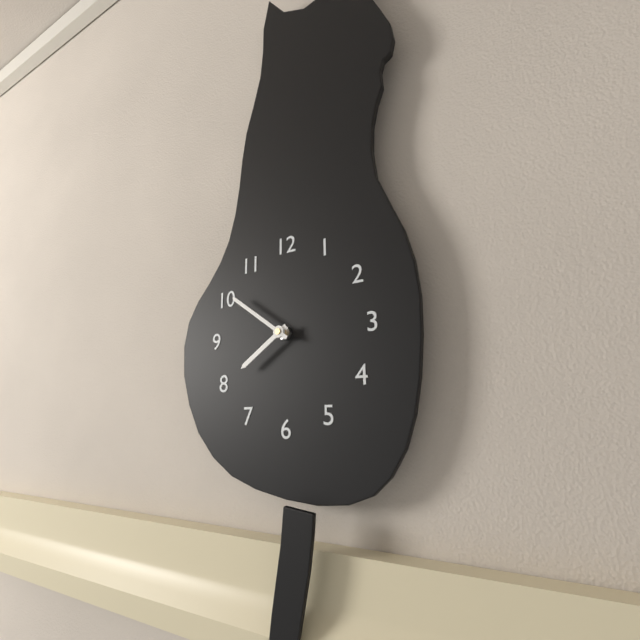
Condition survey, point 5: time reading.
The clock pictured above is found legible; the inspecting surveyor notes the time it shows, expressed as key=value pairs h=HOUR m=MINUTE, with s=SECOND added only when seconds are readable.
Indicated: h=7 m=51
